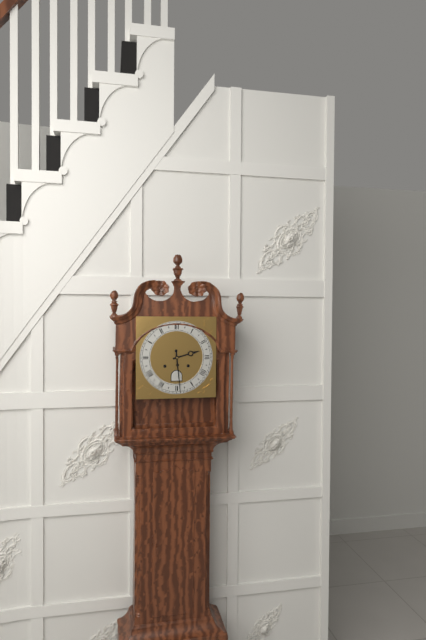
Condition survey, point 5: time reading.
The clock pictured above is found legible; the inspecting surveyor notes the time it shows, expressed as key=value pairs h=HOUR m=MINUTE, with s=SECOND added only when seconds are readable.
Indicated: h=2 m=29
